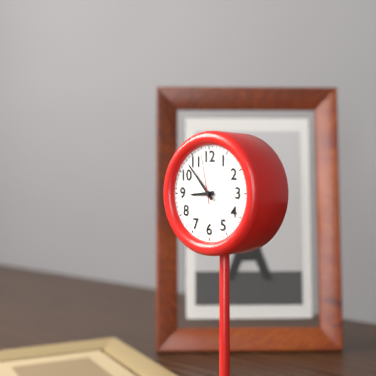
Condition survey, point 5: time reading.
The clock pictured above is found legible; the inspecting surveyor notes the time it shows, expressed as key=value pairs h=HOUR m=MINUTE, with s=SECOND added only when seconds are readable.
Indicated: h=8 m=53 s=58
